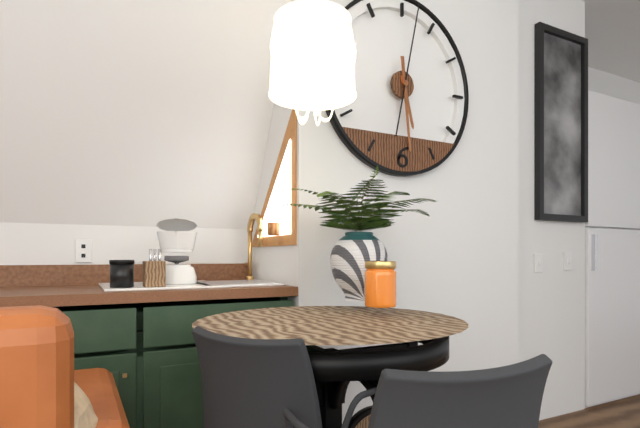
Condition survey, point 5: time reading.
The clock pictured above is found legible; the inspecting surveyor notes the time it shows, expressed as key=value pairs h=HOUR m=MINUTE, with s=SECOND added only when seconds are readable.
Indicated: h=5 m=29 s=2
